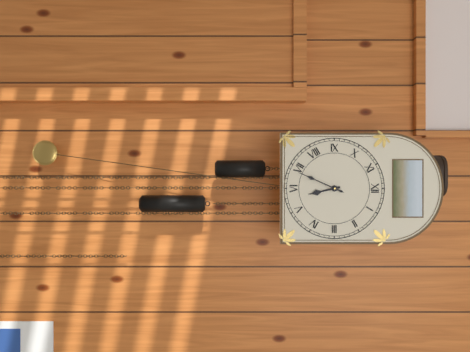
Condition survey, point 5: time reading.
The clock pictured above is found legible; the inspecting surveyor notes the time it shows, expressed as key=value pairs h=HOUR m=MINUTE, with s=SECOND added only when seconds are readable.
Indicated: h=5 m=34
